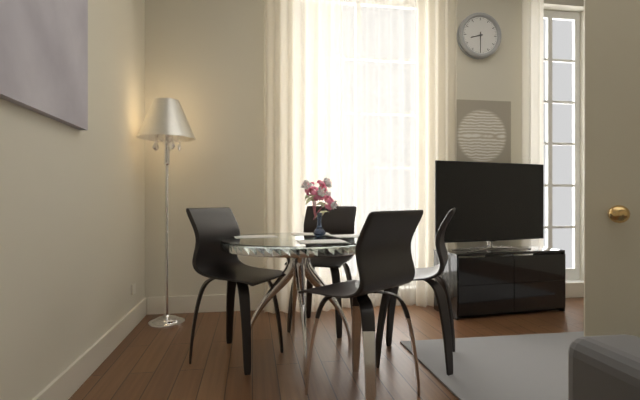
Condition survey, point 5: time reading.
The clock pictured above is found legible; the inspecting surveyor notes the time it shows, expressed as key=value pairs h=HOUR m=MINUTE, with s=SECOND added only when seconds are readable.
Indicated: h=8 m=30
